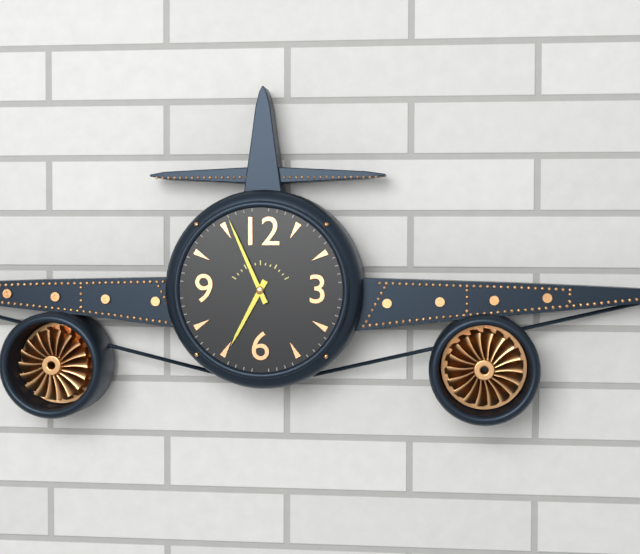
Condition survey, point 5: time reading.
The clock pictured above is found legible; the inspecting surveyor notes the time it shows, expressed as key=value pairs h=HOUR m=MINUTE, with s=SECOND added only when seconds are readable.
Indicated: h=6 m=56
